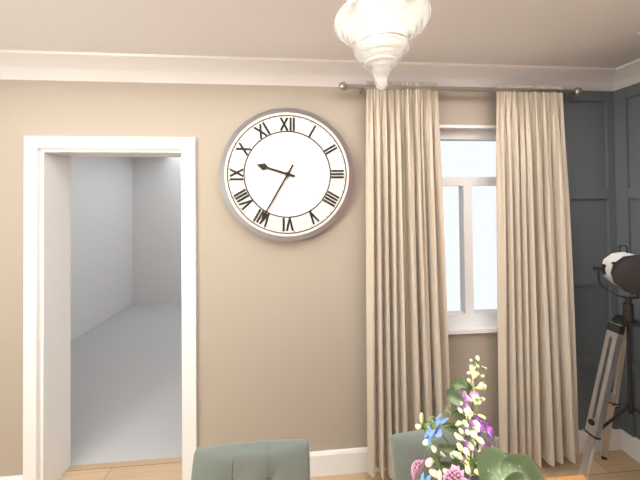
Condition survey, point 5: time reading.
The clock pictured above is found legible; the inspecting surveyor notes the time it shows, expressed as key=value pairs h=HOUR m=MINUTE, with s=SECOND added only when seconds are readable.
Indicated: h=9 m=35
